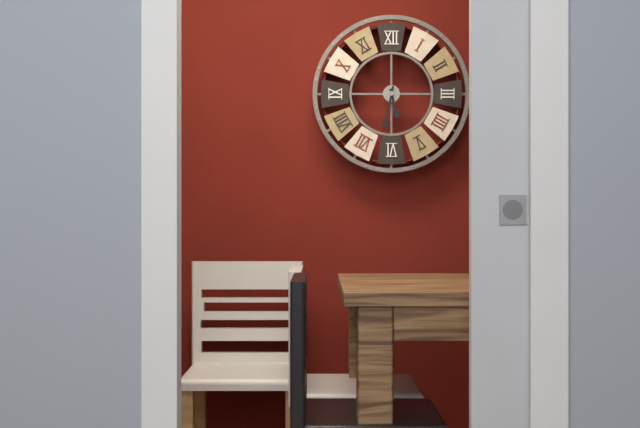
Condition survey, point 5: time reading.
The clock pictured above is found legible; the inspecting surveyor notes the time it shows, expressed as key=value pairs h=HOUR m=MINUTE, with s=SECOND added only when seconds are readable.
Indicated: h=5 m=32
